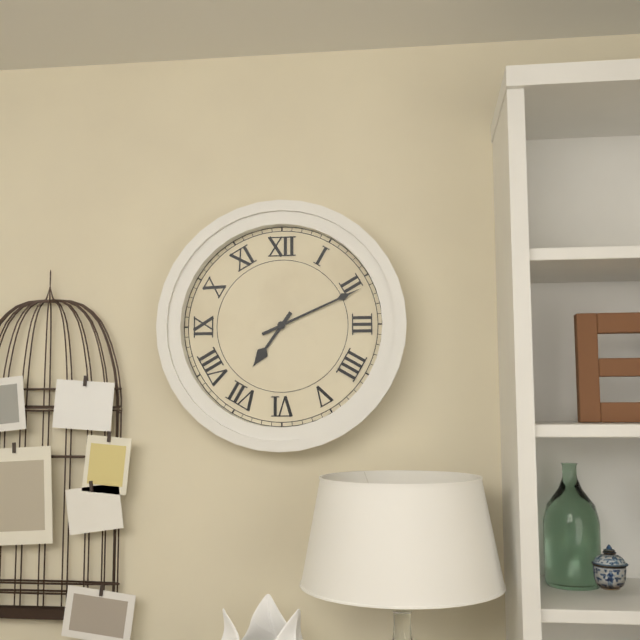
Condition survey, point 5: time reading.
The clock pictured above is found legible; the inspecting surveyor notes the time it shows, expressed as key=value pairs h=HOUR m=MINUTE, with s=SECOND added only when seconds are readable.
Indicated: h=7 m=11
